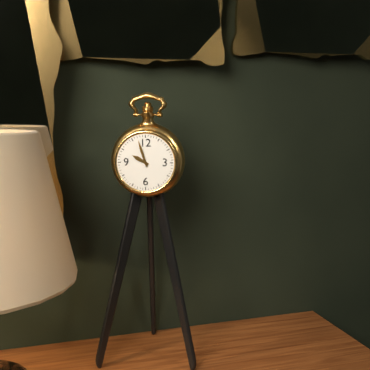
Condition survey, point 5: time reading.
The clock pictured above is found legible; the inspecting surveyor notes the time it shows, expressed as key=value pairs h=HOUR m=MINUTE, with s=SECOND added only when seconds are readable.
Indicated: h=9 m=57
